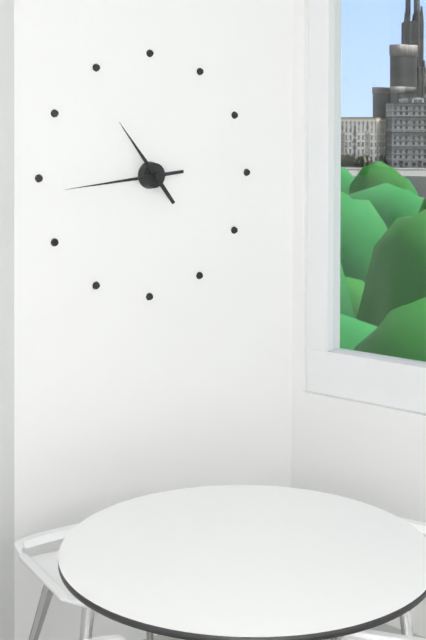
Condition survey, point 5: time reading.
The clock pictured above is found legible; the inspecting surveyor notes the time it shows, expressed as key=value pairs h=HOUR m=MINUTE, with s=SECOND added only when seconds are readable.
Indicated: h=10 m=44
